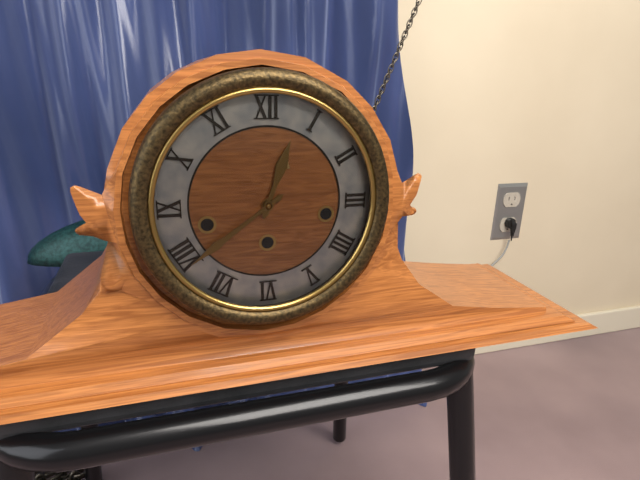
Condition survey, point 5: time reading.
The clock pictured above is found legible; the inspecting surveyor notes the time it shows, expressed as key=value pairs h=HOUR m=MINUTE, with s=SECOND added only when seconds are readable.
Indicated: h=12 m=39
